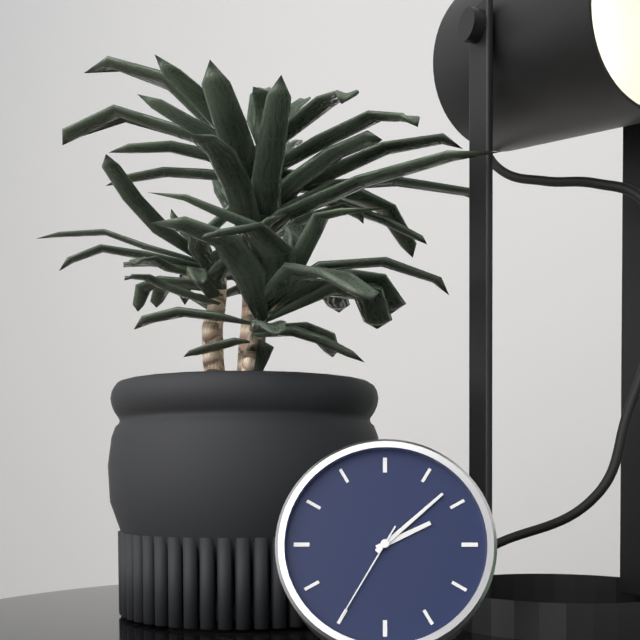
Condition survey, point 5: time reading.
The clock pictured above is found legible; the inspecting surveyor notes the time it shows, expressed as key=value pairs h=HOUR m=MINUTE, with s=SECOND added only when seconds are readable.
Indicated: h=2 m=8 s=35
